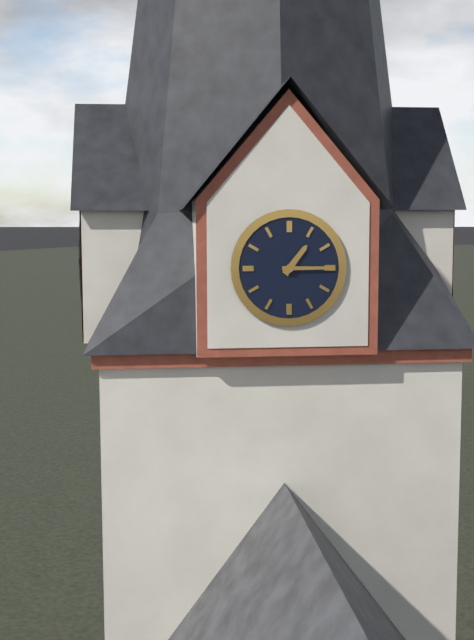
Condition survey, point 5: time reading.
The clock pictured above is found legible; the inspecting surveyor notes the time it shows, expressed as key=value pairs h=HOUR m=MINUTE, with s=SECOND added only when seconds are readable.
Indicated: h=1 m=15
